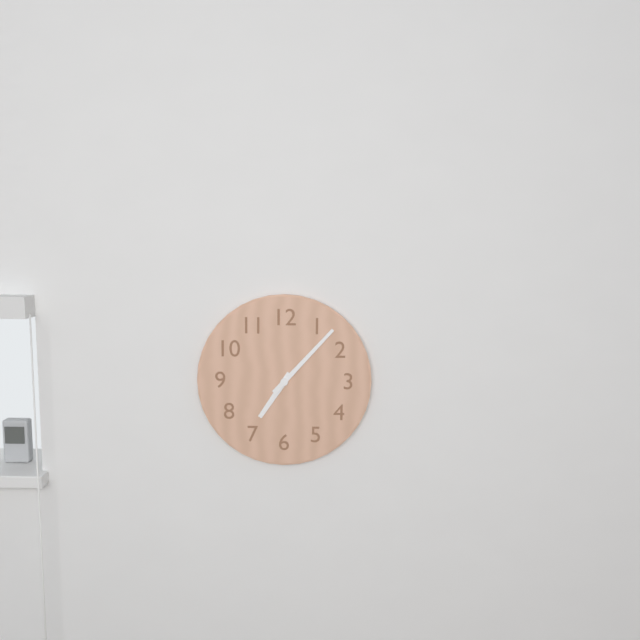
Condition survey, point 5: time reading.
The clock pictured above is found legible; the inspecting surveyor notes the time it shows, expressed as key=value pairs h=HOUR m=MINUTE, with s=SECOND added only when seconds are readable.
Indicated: h=7 m=7
